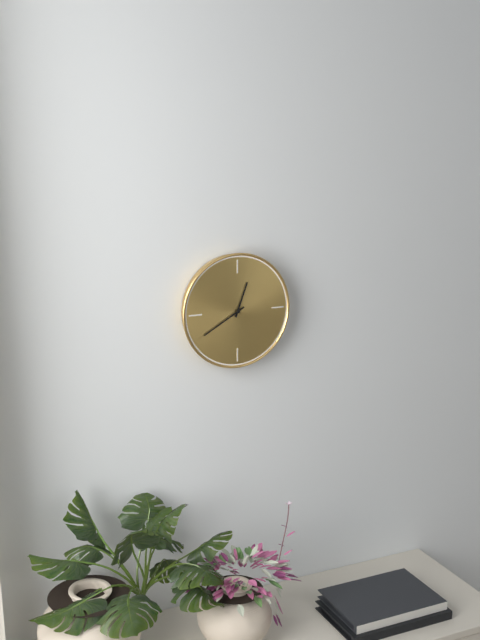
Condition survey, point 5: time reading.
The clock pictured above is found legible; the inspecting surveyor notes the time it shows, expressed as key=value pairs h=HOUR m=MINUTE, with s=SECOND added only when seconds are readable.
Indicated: h=12 m=40
